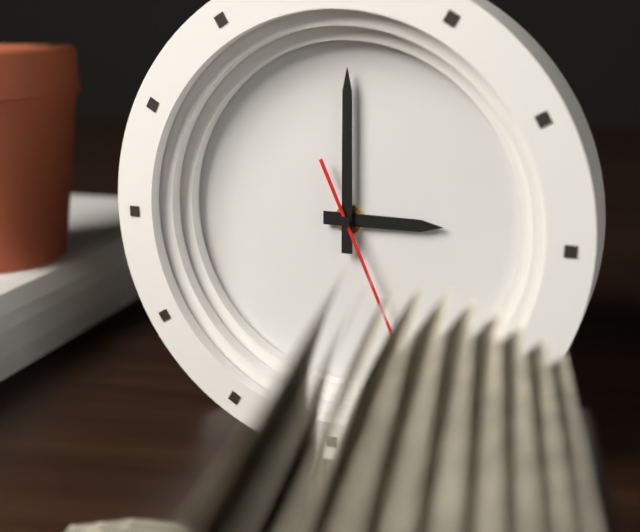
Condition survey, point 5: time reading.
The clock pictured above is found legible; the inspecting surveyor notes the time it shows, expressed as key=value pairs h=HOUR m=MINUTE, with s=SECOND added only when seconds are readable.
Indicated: h=3 m=0 s=26
